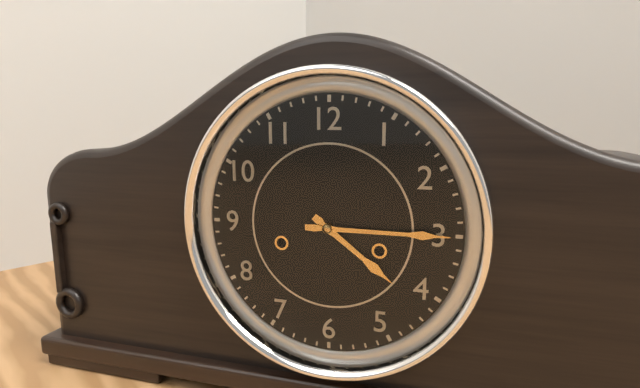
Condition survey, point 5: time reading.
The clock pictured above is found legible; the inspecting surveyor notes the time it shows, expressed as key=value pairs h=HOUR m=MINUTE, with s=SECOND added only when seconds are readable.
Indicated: h=4 m=15
